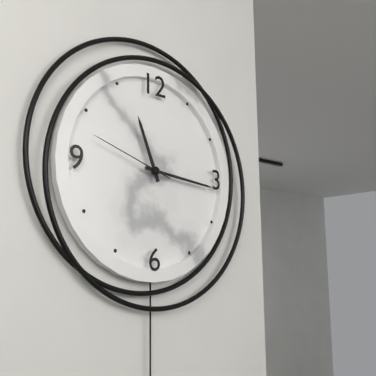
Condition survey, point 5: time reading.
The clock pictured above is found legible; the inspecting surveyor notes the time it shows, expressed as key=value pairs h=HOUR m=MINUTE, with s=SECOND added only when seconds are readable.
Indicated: h=11 m=16 s=48
